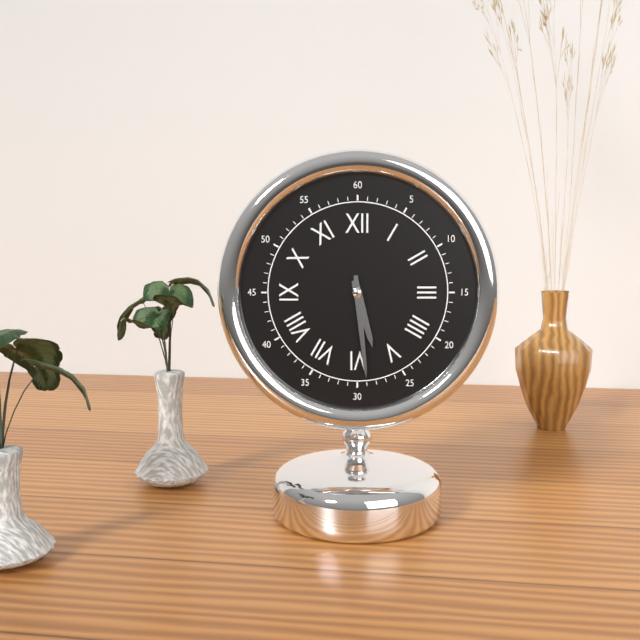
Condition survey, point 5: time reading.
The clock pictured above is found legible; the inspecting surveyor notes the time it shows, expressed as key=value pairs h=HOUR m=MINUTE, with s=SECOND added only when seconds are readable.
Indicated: h=5 m=29
